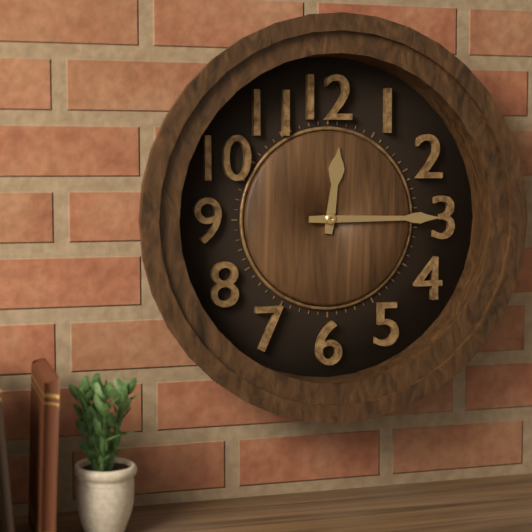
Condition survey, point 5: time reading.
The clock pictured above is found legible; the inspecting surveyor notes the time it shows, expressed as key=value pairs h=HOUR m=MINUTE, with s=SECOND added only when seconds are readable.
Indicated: h=12 m=15
